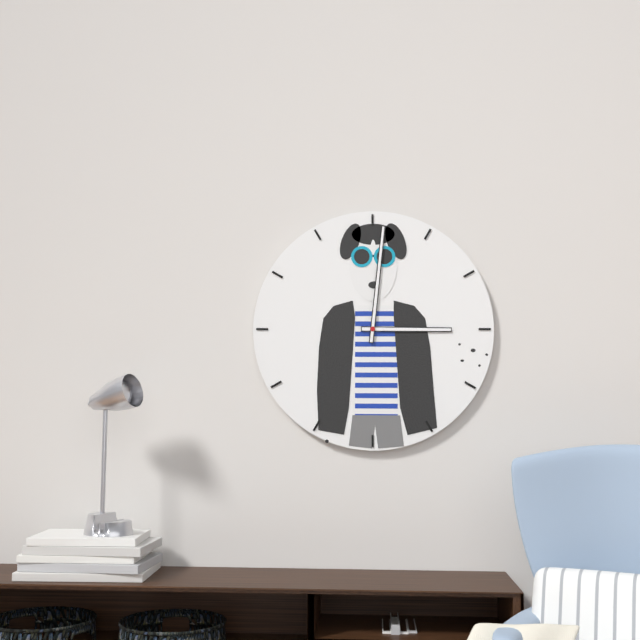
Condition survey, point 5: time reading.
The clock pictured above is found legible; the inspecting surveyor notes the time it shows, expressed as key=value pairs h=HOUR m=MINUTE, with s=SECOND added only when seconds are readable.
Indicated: h=3 m=1
